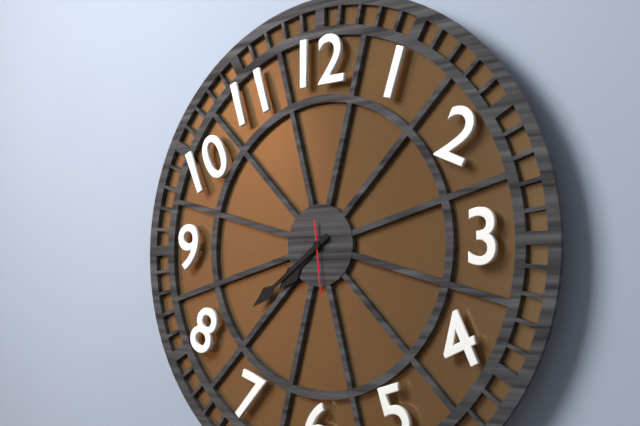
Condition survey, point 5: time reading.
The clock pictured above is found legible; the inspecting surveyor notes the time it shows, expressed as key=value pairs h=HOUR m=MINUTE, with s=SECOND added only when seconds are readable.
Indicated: h=7 m=39 s=29
